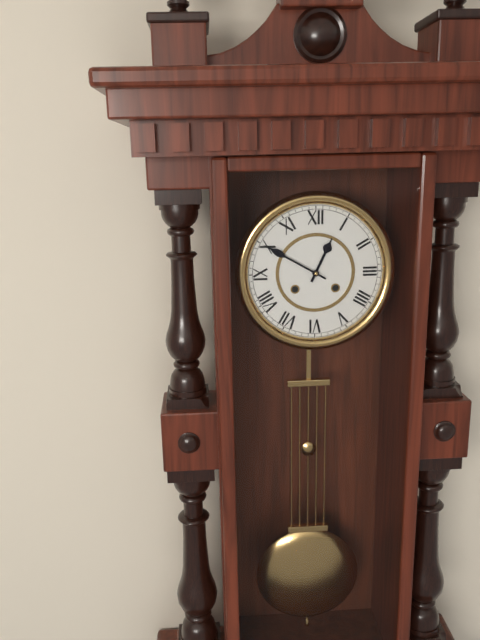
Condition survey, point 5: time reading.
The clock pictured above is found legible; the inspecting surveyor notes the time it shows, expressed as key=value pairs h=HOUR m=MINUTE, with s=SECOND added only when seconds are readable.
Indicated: h=12 m=50
